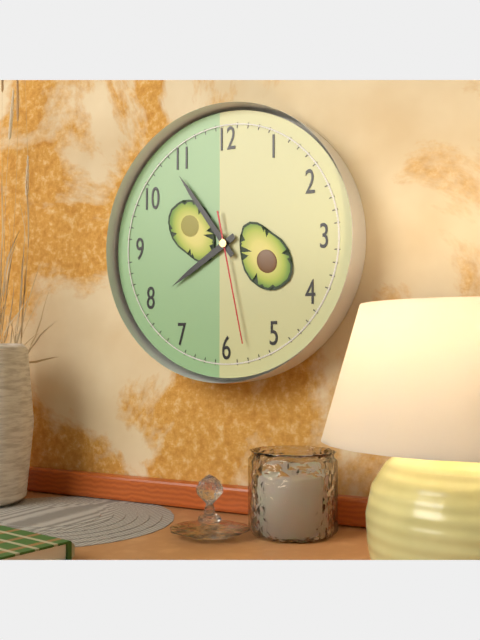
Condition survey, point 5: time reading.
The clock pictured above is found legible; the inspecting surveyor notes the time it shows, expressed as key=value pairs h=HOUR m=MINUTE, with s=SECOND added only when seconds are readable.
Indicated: h=7 m=54 s=28
